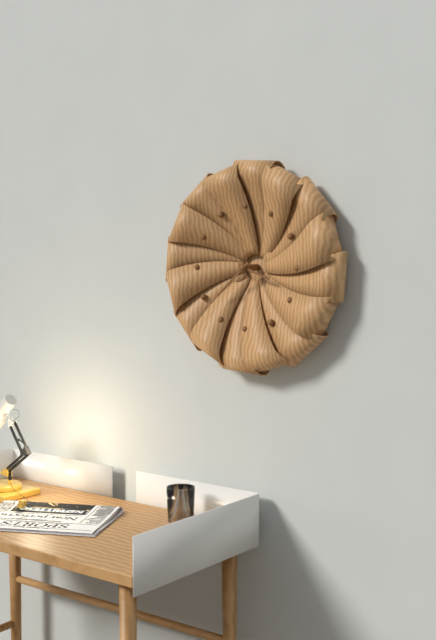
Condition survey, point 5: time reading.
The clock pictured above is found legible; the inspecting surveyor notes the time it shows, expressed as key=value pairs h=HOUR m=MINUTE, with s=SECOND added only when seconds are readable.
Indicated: h=3 m=38
